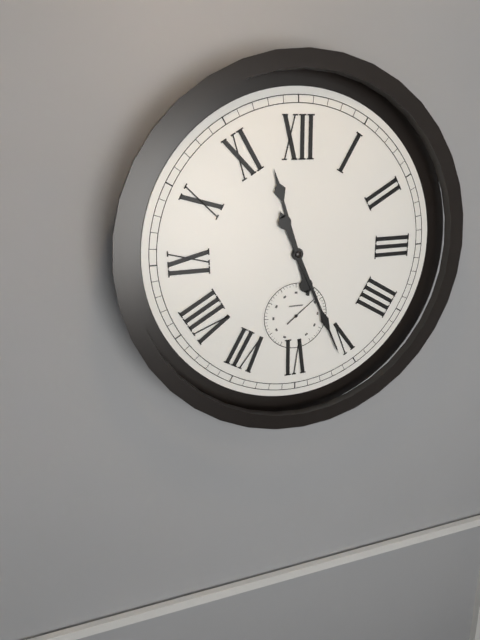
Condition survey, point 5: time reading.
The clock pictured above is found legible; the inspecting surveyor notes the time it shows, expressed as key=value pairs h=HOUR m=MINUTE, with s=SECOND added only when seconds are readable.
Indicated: h=11 m=26
